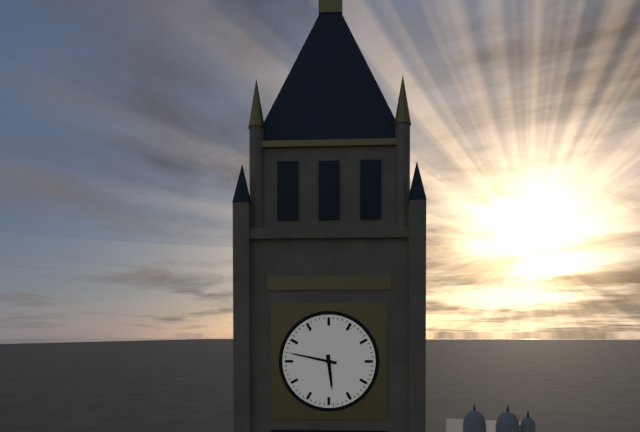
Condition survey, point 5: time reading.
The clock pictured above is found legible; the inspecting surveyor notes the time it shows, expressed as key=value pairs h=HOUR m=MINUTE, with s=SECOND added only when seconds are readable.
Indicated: h=5 m=47
